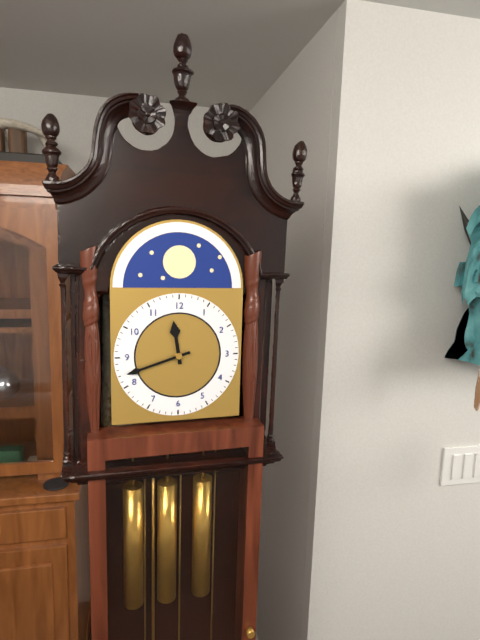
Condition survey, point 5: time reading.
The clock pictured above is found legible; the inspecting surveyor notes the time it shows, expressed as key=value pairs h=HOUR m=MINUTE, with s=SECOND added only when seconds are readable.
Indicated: h=11 m=42
